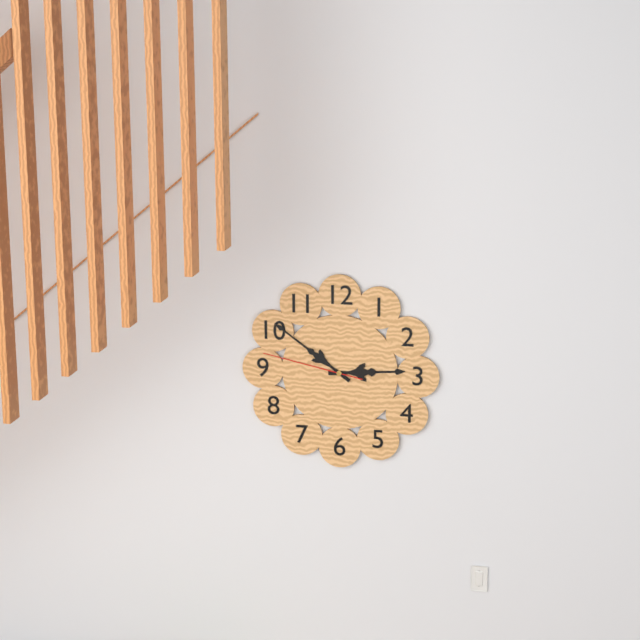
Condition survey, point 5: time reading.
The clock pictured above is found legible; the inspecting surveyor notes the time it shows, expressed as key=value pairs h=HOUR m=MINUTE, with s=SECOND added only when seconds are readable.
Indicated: h=2 m=51 s=47
